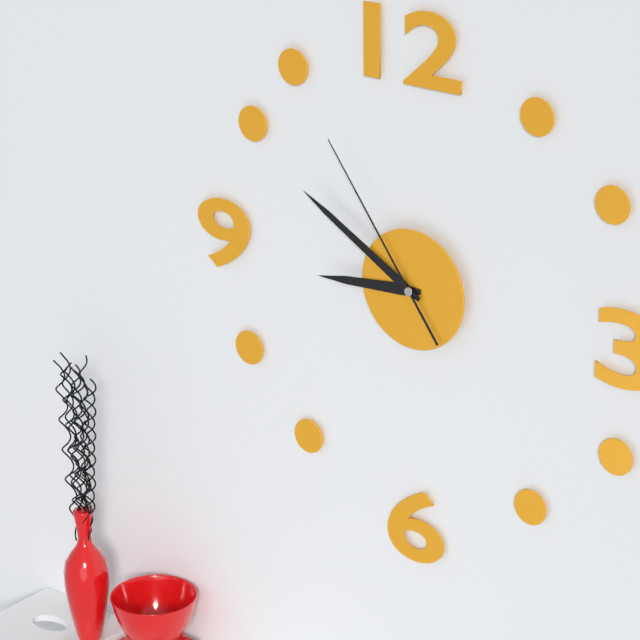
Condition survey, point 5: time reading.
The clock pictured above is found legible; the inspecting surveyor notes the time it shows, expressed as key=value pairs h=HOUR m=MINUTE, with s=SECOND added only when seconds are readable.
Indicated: h=8 m=50 s=54
